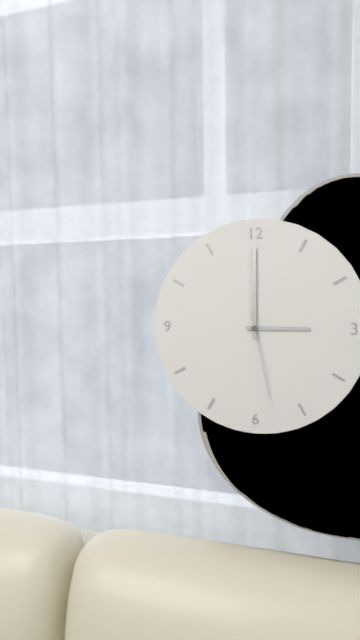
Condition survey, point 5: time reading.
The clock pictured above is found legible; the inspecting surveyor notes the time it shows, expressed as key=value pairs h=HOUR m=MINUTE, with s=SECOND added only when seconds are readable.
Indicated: h=3 m=0 s=28
